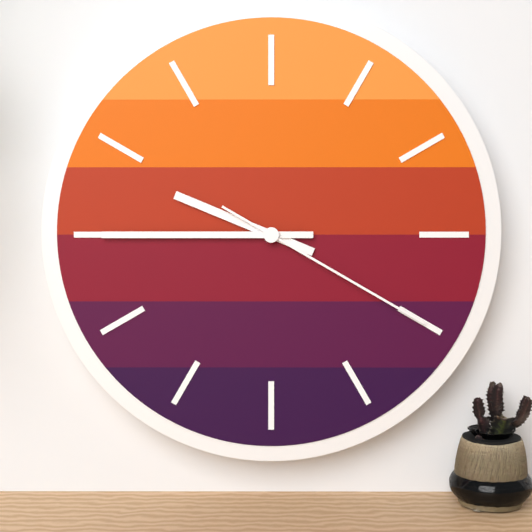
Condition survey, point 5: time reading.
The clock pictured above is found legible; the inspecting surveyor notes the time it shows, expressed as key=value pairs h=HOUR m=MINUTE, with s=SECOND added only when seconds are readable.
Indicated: h=9 m=45 s=20
